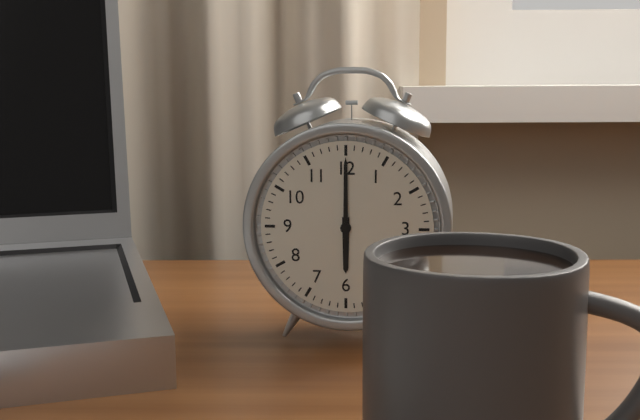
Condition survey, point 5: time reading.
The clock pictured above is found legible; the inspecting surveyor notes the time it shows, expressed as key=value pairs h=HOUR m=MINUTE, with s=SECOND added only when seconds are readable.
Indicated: h=6 m=0
